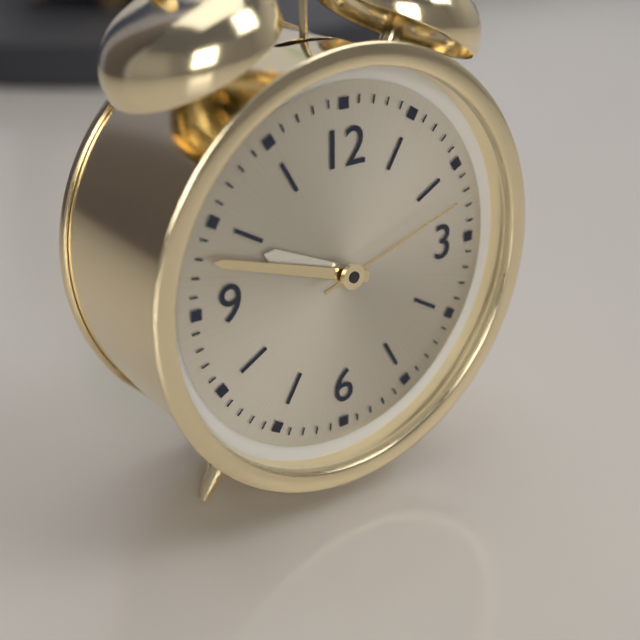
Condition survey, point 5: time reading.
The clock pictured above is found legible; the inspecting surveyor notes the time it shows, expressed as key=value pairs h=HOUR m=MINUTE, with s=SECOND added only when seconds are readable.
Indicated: h=9 m=48 s=12
